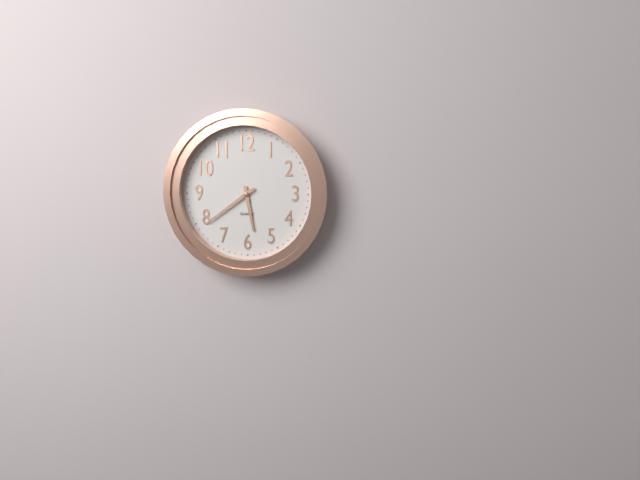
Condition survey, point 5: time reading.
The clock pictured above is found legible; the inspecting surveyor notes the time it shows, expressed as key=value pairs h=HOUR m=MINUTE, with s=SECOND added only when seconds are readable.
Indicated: h=5 m=39
